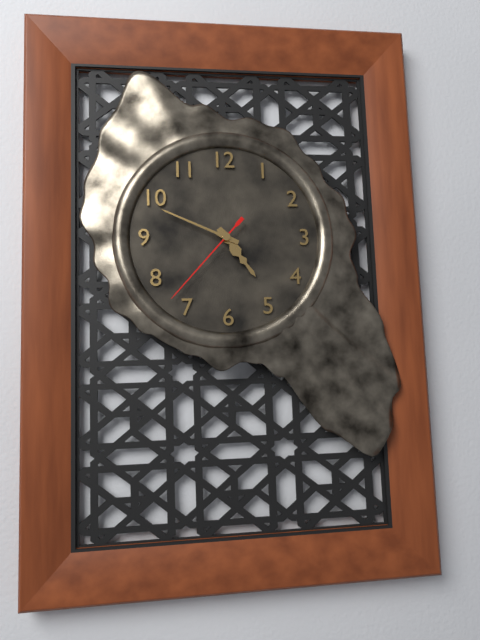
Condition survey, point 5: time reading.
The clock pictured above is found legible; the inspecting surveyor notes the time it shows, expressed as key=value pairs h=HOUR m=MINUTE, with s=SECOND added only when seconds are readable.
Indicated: h=4 m=49 s=37
